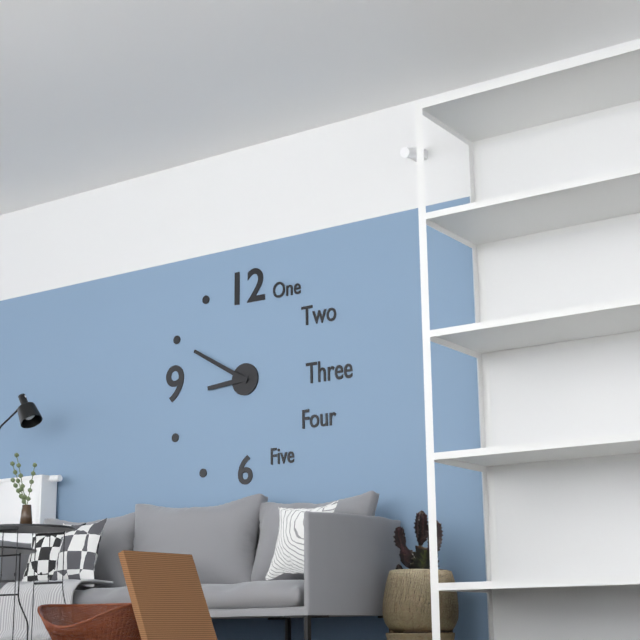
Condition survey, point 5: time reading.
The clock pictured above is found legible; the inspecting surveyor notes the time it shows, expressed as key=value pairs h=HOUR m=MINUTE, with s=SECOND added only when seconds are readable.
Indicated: h=8 m=50
